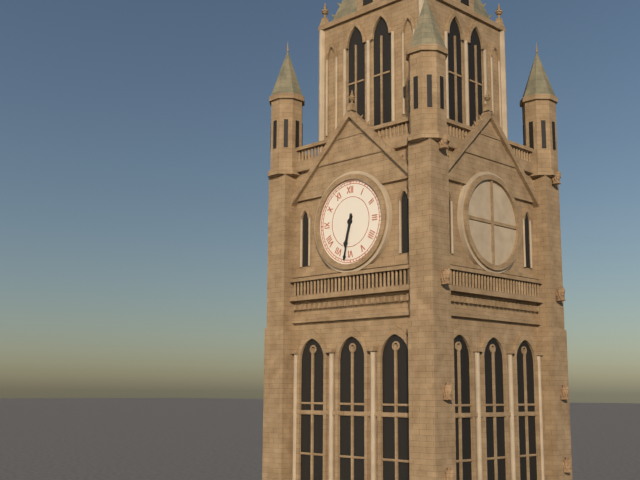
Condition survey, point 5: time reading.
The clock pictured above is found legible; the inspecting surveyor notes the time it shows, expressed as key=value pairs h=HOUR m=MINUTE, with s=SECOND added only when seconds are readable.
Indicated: h=6 m=32
